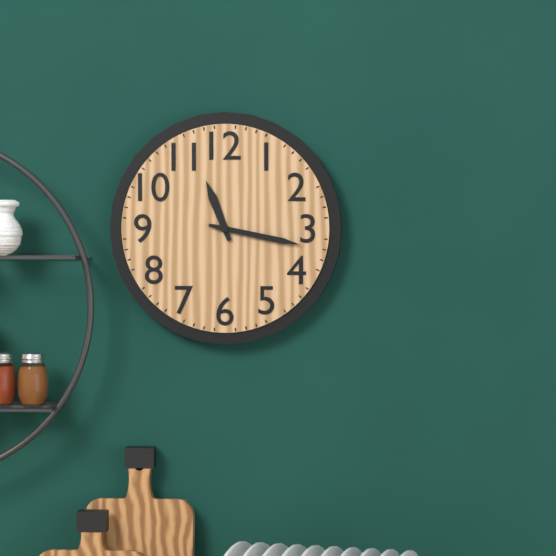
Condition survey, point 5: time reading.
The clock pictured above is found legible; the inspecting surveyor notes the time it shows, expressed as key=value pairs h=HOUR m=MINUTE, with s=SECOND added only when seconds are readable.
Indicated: h=11 m=17
